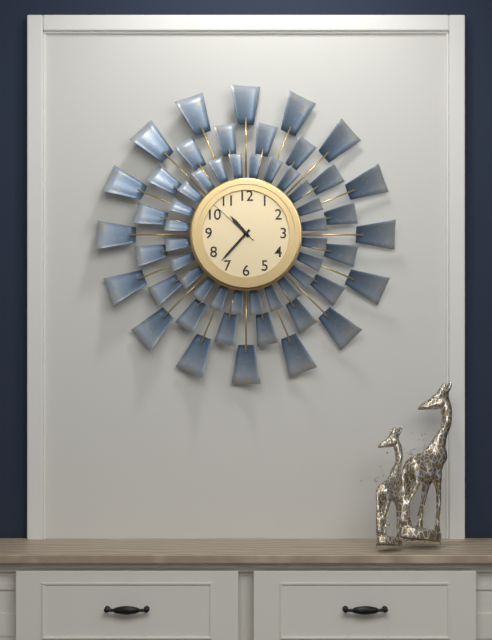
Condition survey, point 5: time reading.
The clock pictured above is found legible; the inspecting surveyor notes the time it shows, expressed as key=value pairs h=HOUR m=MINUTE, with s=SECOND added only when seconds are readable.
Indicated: h=10 m=37 s=52
